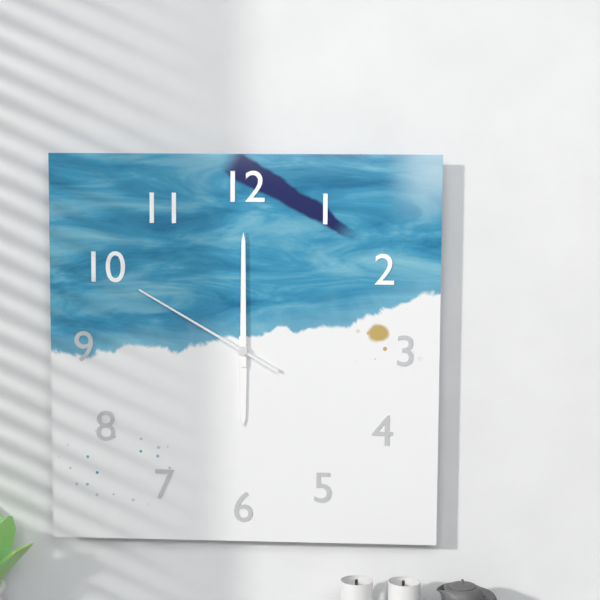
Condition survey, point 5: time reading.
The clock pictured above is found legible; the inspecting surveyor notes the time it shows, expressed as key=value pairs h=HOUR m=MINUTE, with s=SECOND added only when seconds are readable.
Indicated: h=6 m=0 s=50
